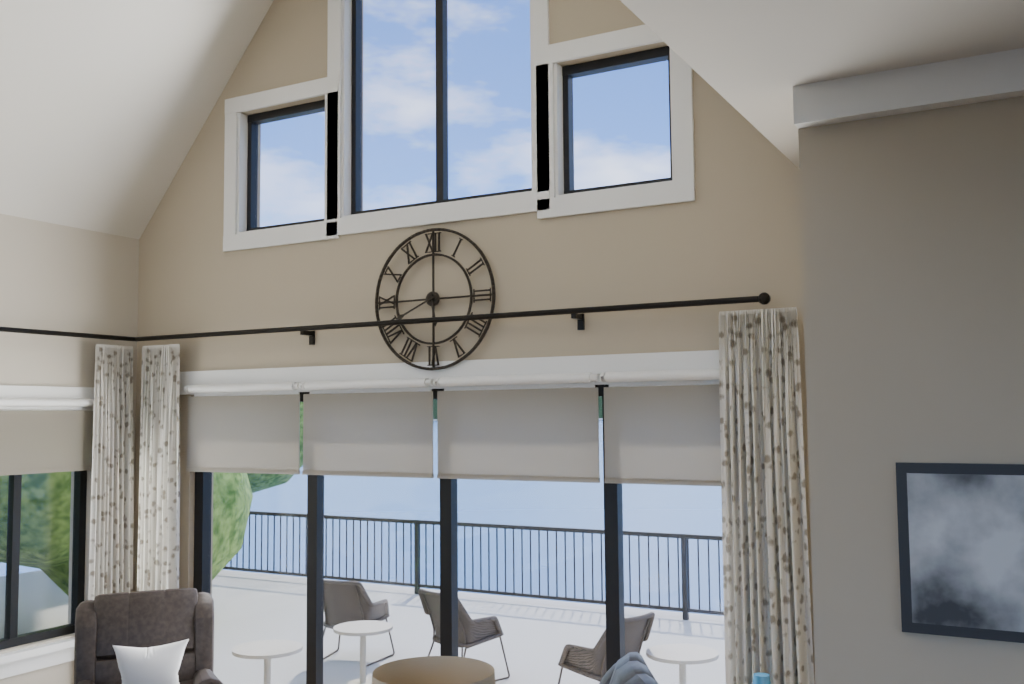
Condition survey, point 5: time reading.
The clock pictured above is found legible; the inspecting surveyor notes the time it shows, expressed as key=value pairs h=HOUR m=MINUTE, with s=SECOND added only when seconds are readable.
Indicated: h=5 m=41
